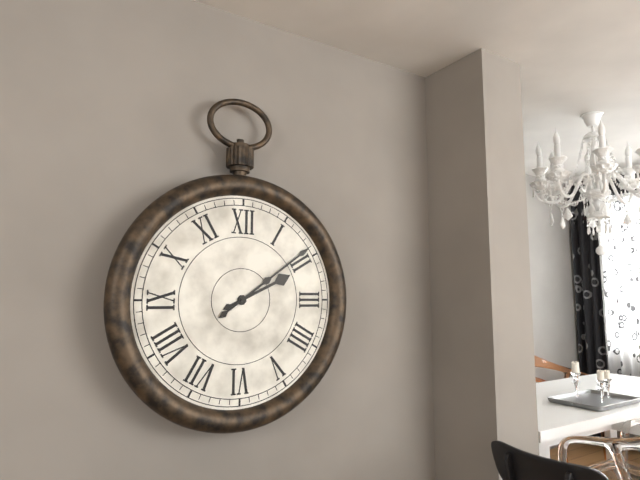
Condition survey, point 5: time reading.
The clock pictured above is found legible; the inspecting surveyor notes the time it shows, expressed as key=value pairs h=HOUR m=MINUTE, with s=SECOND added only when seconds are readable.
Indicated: h=2 m=9
